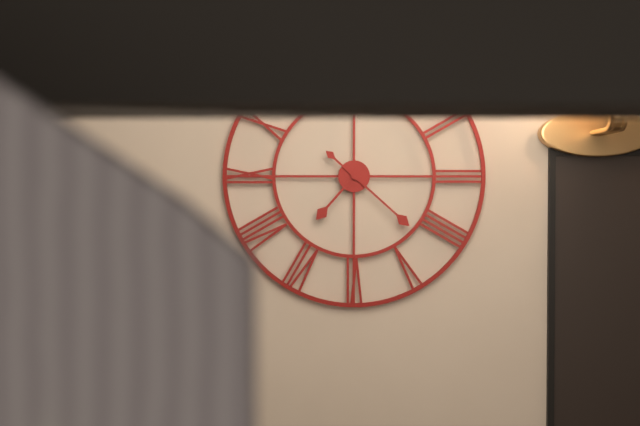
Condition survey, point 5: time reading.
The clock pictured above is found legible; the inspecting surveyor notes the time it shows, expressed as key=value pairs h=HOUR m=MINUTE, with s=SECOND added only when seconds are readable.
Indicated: h=7 m=22
